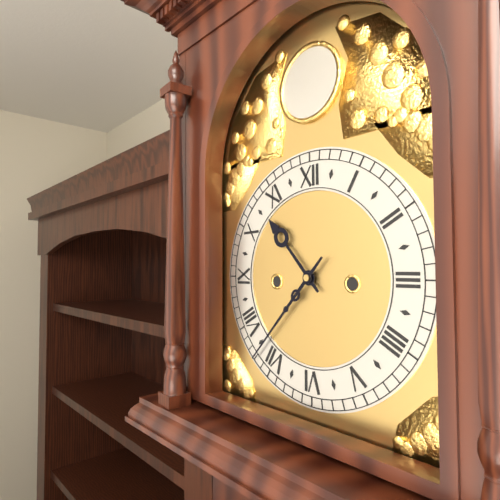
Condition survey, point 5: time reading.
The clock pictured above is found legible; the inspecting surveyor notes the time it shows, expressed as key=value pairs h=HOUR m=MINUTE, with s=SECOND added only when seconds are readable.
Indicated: h=10 m=37
